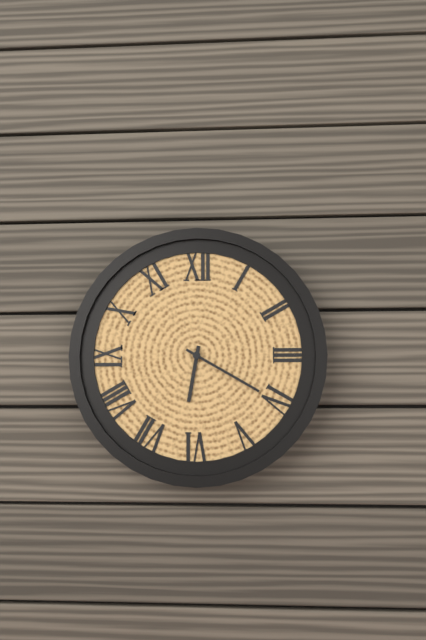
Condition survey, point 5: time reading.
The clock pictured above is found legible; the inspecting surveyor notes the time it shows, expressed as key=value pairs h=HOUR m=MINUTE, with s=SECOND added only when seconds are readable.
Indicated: h=6 m=20
